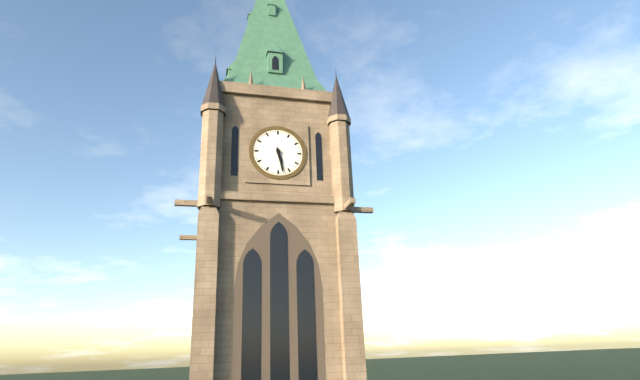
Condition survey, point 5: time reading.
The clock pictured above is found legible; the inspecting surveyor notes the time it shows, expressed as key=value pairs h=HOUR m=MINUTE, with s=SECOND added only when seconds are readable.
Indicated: h=5 m=28
